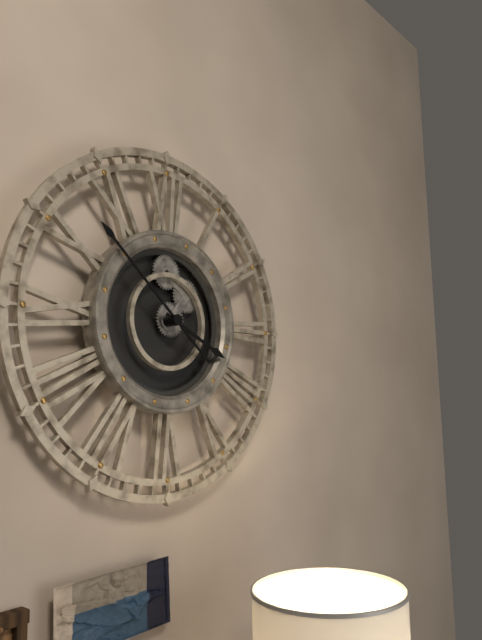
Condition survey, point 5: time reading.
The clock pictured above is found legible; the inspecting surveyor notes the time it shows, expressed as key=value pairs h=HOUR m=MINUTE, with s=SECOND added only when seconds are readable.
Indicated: h=3 m=52
